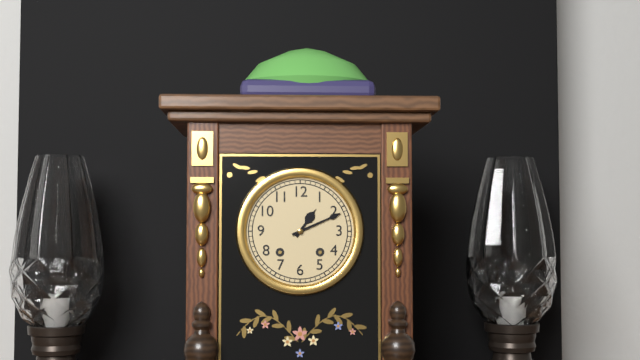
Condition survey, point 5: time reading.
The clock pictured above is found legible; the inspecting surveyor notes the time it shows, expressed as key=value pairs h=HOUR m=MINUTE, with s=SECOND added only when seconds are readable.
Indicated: h=1 m=11
